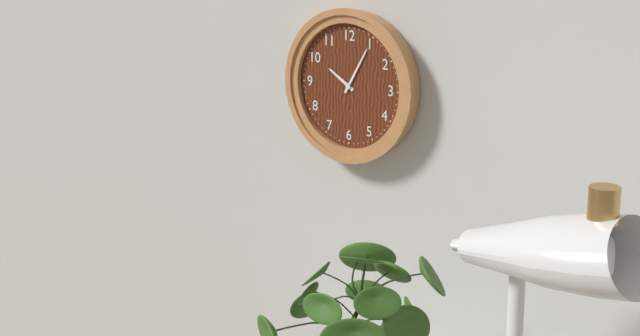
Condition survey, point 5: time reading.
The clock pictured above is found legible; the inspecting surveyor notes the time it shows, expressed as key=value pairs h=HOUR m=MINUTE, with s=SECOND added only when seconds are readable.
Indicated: h=10 m=5
